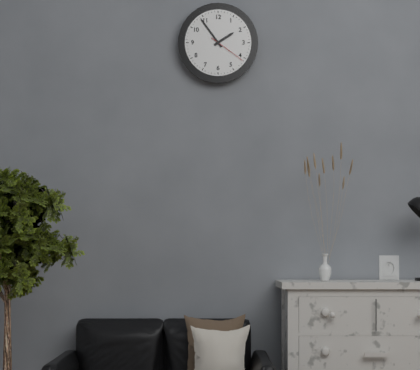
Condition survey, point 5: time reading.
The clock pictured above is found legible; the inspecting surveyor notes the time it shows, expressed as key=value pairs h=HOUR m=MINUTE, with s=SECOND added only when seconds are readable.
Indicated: h=1 m=54
